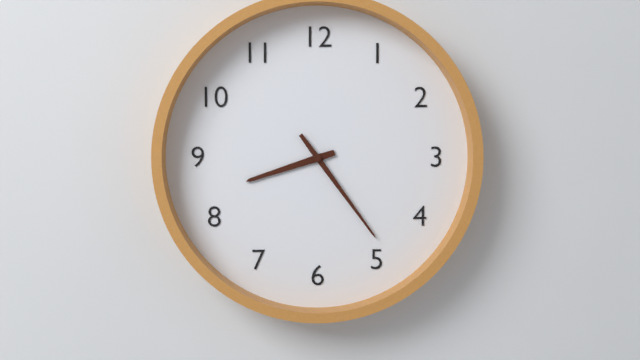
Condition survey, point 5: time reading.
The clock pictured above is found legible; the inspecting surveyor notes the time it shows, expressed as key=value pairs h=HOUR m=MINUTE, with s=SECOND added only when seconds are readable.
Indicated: h=8 m=24
